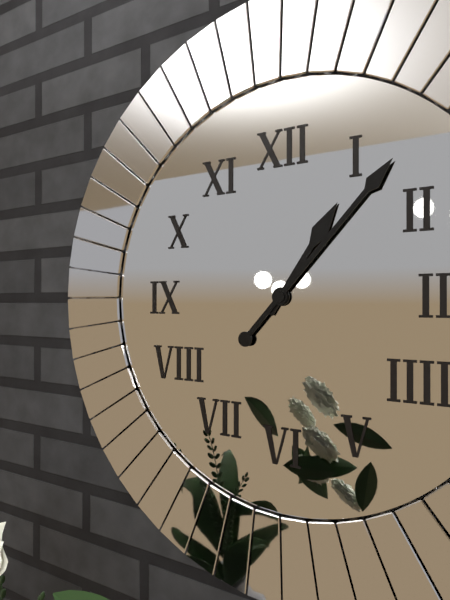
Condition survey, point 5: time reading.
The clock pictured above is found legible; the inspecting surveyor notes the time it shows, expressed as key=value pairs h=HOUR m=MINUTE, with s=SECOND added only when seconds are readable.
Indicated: h=1 m=7
